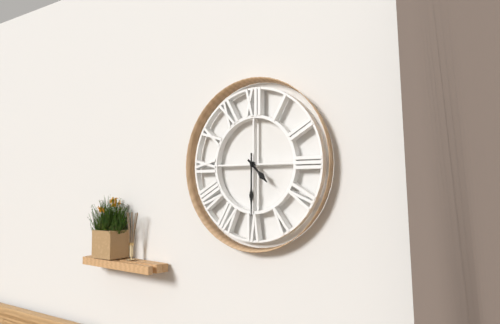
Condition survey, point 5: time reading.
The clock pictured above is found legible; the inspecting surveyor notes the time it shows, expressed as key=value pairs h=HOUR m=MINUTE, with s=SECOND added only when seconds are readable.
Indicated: h=4 m=30
